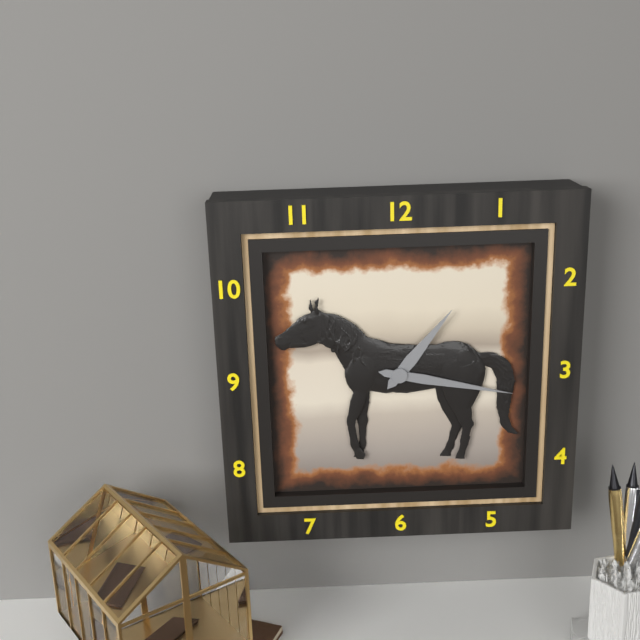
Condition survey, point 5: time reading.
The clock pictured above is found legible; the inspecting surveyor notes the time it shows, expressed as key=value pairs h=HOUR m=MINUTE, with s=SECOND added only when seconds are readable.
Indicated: h=1 m=17
